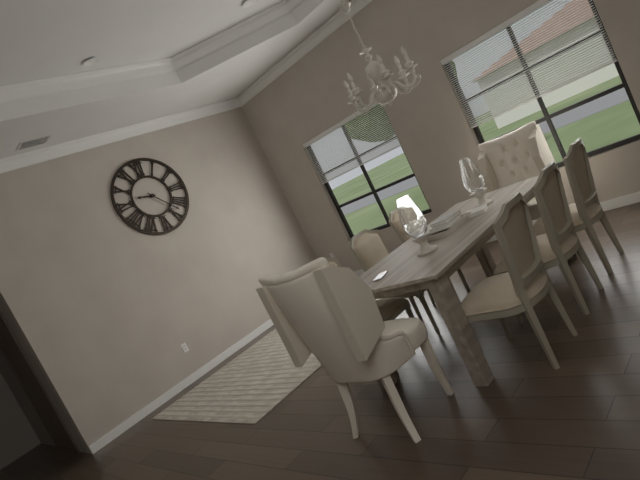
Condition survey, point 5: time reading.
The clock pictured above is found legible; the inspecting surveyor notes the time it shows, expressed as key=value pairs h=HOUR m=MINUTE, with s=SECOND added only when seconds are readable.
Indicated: h=9 m=23
